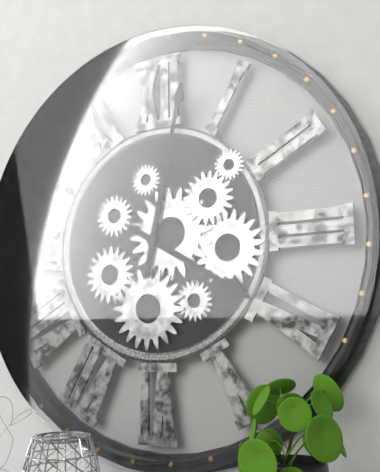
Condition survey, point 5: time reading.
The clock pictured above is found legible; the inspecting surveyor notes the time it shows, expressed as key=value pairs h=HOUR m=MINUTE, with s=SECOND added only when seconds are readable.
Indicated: h=4 m=2
